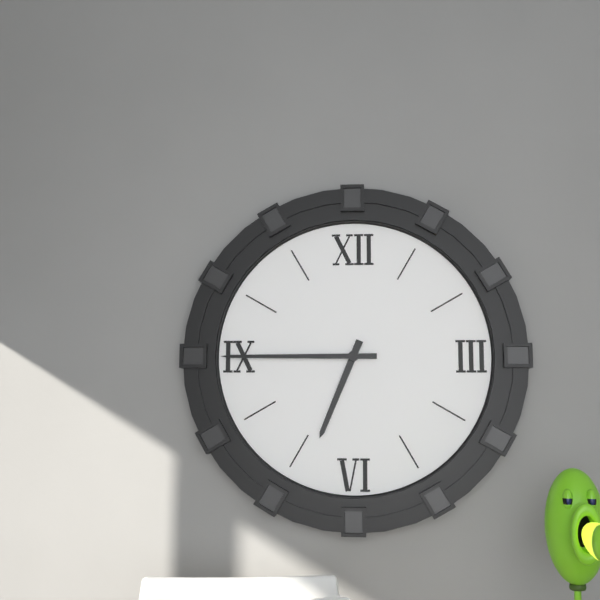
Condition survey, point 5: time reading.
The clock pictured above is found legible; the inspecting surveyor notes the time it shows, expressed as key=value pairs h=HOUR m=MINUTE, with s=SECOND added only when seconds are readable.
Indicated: h=6 m=45
